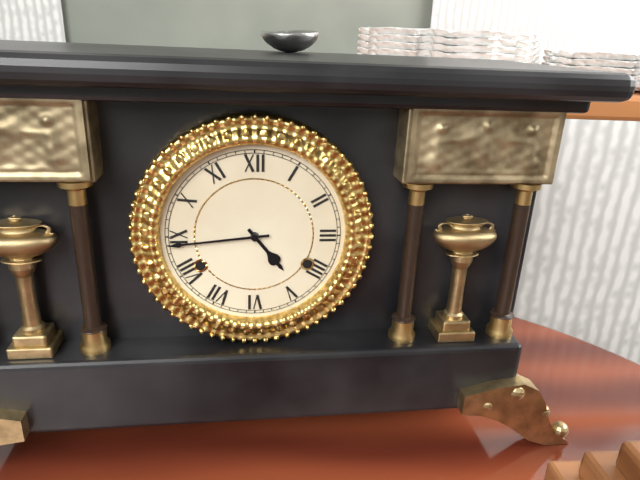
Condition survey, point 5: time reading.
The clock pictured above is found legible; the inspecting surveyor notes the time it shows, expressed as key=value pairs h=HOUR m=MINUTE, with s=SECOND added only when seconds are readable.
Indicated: h=4 m=44
